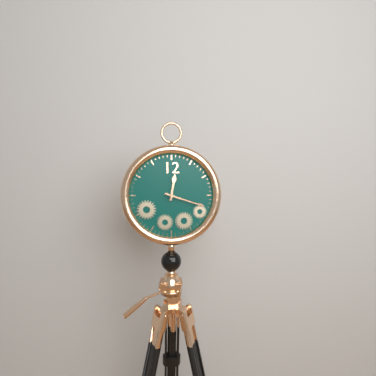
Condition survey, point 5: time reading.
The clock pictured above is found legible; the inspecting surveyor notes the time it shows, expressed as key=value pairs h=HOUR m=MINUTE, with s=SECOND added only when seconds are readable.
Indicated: h=12 m=18
